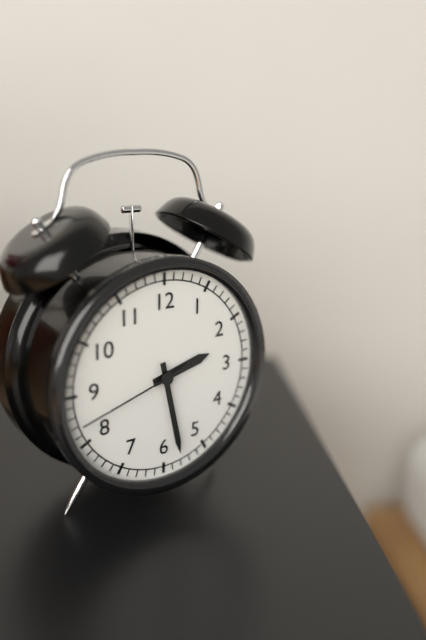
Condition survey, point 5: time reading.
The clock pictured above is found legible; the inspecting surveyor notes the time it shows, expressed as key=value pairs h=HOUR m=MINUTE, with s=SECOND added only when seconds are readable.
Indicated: h=2 m=28 s=42
